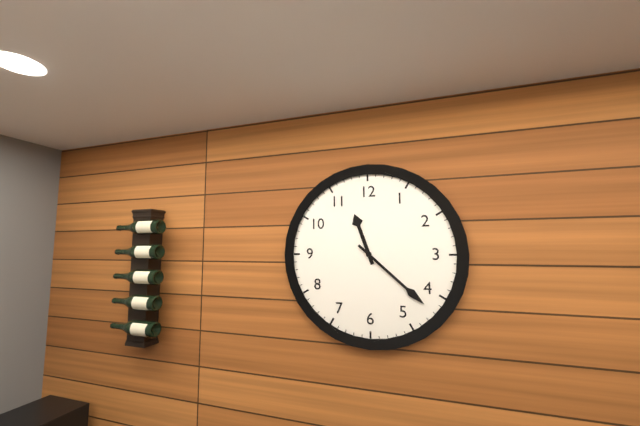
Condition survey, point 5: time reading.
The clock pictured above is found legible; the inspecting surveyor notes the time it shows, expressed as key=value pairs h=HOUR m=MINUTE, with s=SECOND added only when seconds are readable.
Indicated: h=11 m=22
